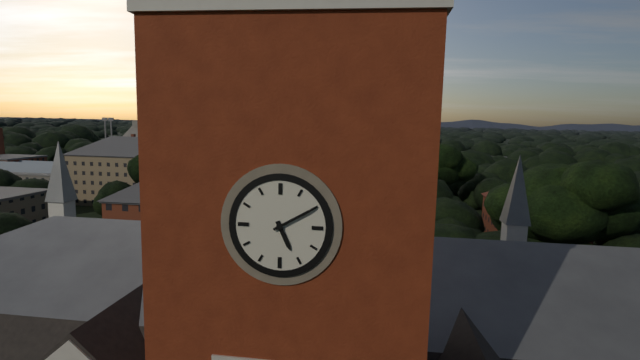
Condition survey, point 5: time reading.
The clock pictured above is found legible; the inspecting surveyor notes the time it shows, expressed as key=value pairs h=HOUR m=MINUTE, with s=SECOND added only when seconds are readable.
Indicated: h=5 m=10
